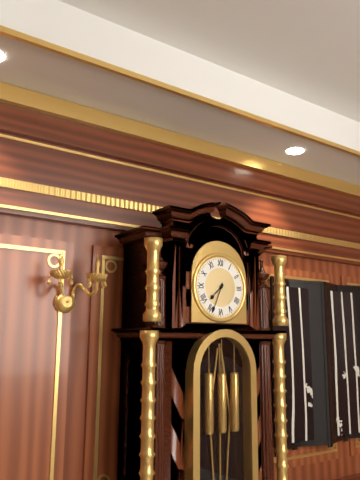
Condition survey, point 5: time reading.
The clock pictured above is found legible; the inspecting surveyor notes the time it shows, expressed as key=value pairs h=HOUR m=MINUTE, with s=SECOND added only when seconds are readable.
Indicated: h=7 m=34
